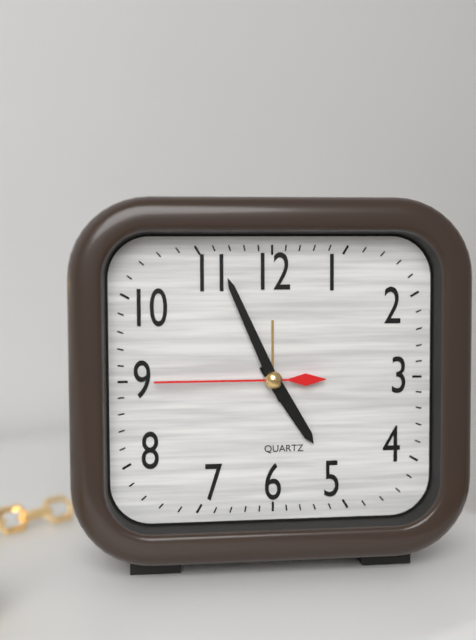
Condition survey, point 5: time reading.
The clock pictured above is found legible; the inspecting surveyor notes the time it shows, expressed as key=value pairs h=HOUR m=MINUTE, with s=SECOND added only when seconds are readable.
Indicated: h=4 m=56 s=45
